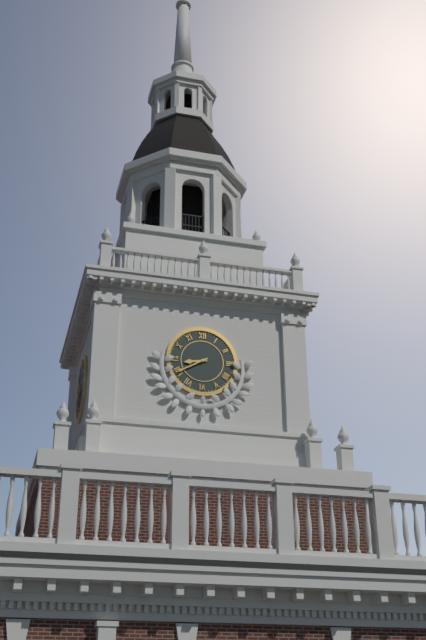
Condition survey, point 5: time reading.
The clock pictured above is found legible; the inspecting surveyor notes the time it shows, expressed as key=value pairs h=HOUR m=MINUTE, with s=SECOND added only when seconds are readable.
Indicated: h=8 m=40
